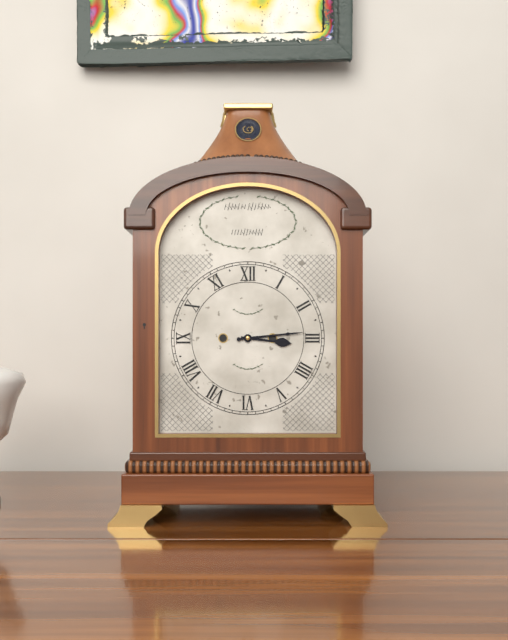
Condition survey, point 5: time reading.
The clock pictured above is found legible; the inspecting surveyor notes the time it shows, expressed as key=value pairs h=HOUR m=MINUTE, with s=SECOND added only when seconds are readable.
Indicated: h=3 m=14
